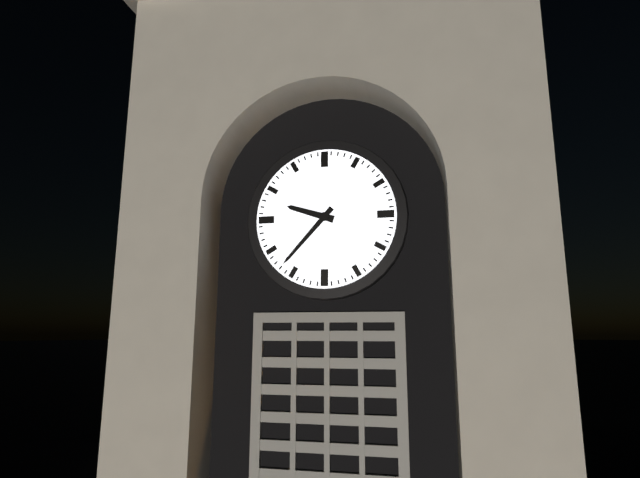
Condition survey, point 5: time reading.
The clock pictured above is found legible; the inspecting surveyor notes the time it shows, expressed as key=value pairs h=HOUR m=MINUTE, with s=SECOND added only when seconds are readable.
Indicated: h=9 m=37
